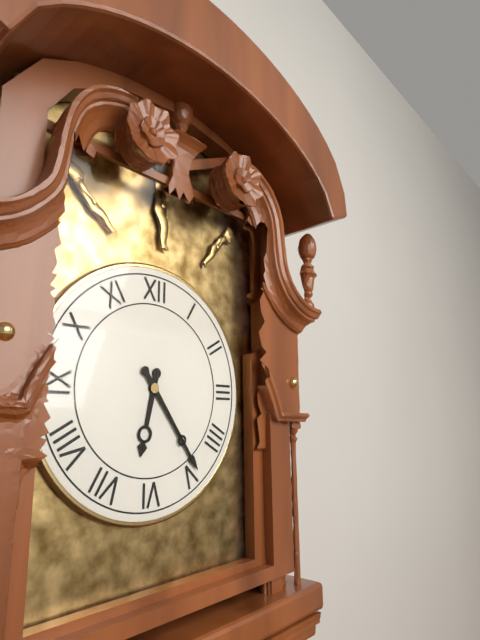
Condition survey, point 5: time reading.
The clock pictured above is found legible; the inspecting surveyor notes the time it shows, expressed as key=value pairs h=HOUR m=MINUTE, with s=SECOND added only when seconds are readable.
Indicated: h=6 m=24
